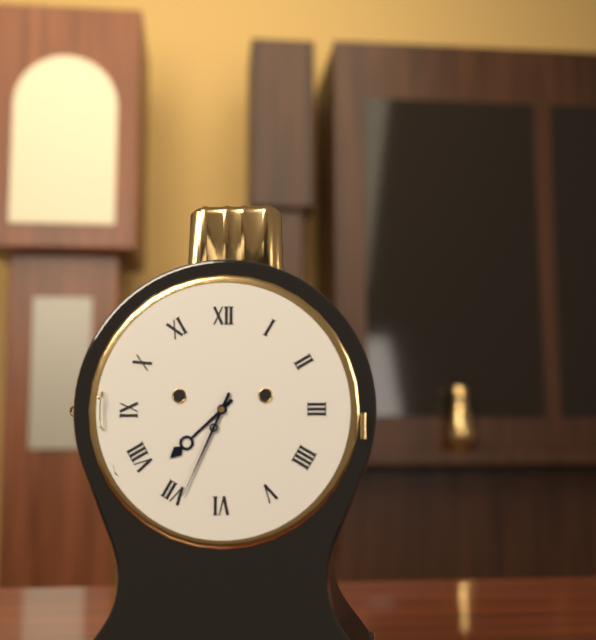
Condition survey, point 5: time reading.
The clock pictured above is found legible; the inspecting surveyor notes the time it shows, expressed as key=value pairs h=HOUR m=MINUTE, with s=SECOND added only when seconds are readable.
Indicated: h=7 m=34
